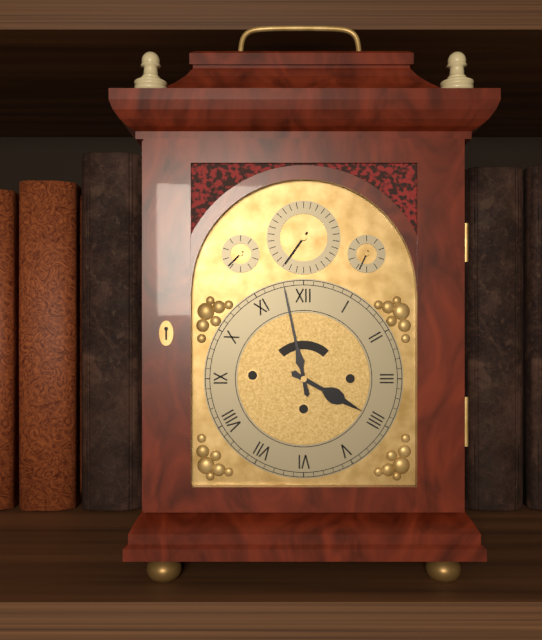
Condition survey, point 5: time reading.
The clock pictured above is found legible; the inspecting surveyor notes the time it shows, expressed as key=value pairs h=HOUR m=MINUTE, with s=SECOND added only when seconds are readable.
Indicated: h=3 m=58
